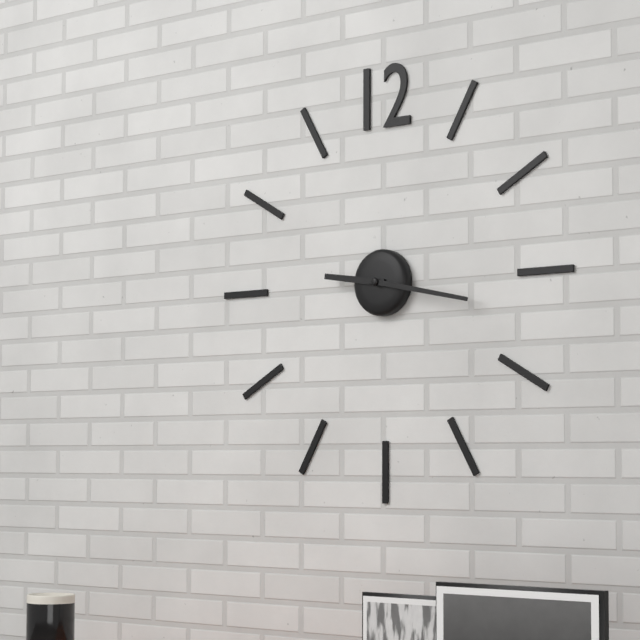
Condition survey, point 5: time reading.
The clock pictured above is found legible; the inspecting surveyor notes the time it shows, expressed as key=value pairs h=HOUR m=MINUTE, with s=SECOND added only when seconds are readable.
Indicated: h=9 m=17
